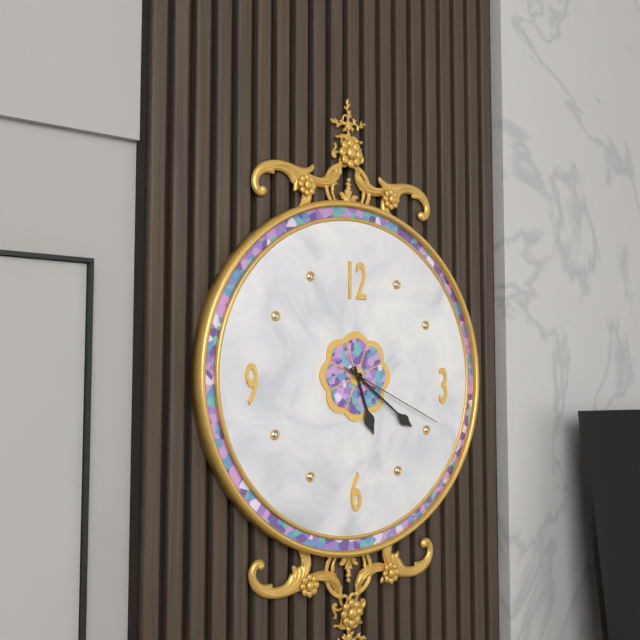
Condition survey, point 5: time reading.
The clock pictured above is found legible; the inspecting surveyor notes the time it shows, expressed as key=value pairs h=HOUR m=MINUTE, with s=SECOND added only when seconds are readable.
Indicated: h=5 m=21 s=19
